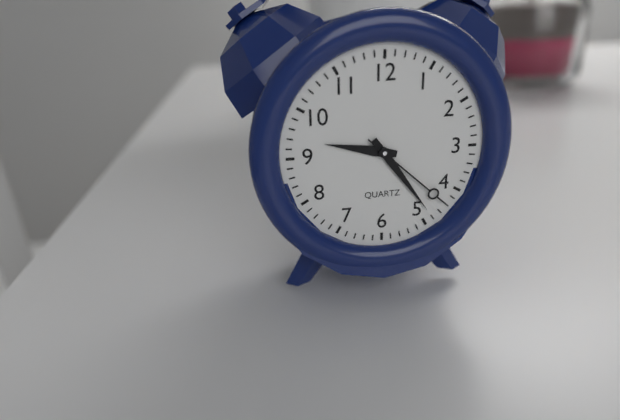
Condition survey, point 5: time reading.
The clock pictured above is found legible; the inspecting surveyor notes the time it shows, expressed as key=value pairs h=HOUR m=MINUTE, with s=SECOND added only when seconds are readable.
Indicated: h=9 m=24 s=22
